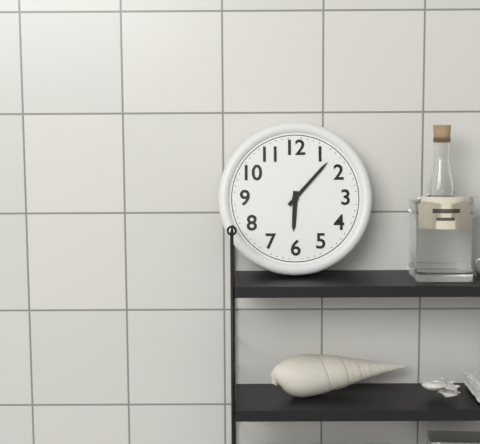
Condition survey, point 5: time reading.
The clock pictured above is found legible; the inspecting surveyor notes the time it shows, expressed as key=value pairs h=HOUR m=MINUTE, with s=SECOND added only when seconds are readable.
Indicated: h=6 m=7
